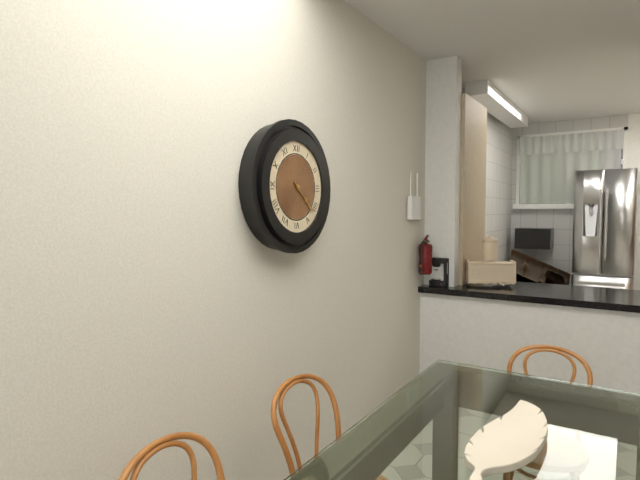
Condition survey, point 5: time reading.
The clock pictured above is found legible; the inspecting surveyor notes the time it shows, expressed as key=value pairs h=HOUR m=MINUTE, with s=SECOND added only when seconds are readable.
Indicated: h=4 m=22
